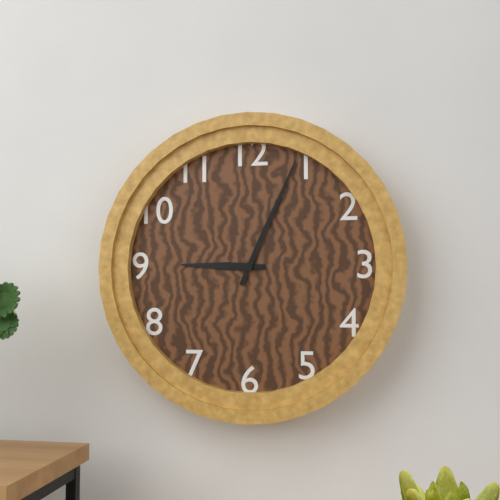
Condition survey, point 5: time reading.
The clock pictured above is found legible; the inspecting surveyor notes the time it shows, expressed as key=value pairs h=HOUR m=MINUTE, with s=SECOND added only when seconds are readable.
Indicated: h=9 m=4
